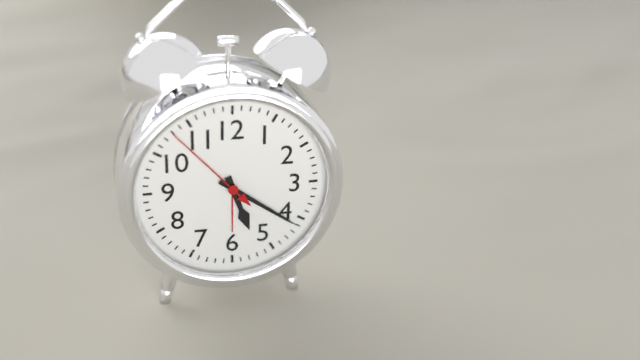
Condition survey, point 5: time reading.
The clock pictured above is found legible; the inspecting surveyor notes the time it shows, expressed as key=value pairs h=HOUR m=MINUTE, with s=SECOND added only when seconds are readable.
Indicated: h=5 m=21 s=53
